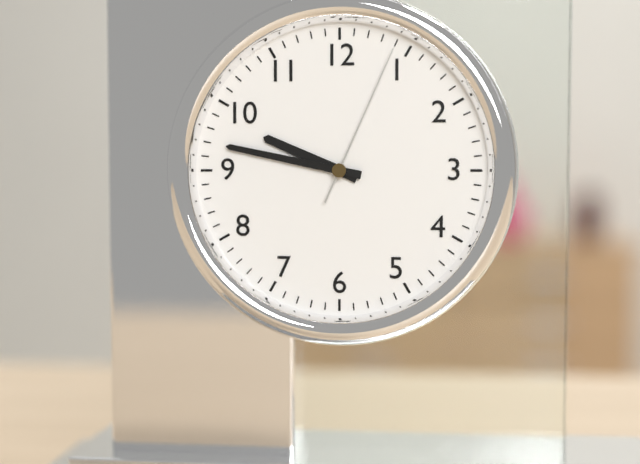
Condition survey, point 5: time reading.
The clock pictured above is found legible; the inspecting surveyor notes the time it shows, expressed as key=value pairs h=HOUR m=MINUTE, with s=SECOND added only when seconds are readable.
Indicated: h=9 m=47 s=4
